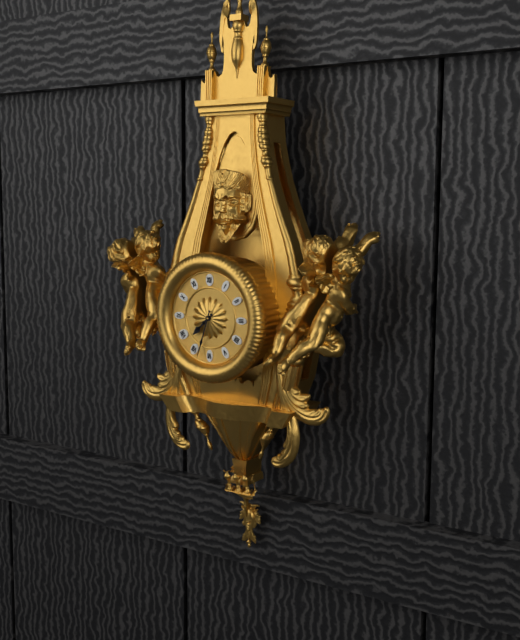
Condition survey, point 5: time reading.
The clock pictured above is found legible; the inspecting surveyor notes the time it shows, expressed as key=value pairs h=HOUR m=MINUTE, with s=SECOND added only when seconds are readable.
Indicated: h=7 m=33
